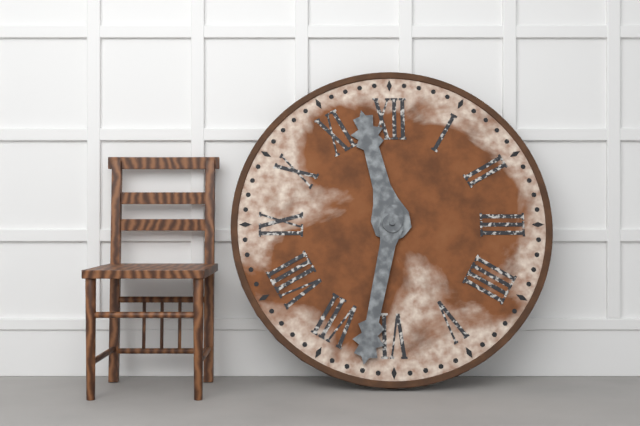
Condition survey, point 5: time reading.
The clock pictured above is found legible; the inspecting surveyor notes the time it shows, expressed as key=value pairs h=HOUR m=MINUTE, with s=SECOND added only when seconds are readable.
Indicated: h=11 m=32
